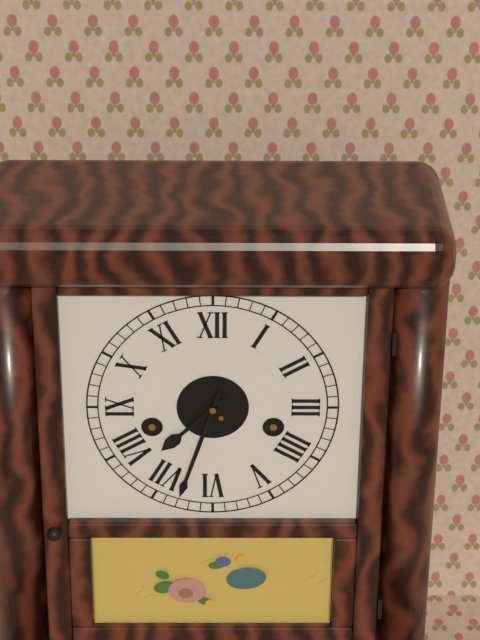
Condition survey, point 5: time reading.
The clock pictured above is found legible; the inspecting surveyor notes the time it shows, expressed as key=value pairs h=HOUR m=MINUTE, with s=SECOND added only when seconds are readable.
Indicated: h=7 m=33
